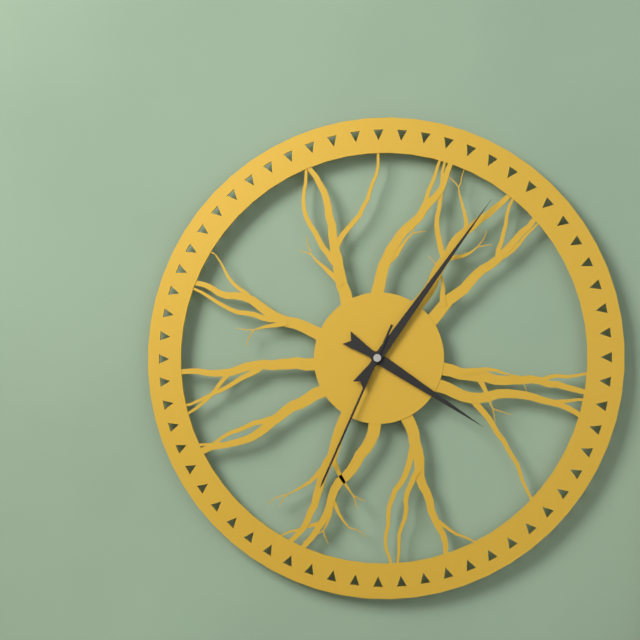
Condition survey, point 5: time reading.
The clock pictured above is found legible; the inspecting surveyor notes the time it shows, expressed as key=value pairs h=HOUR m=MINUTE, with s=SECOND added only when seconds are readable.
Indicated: h=4 m=6 s=34
